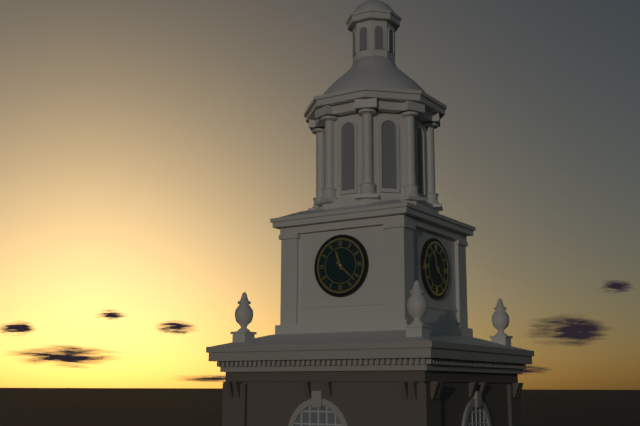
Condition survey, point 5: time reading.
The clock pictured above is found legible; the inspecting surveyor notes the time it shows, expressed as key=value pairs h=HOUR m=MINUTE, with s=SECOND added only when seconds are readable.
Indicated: h=11 m=22
